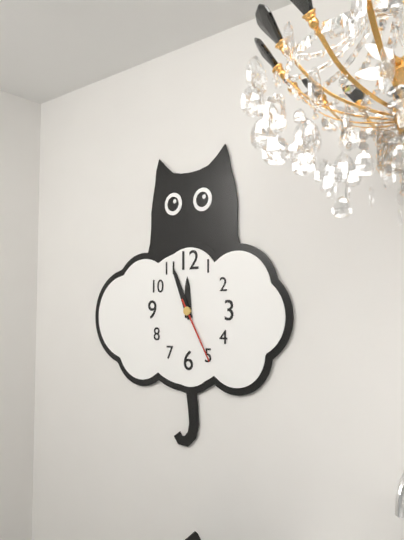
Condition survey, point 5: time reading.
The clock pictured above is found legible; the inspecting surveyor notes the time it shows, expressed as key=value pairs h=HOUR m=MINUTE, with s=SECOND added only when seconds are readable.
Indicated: h=11 m=56 s=25
